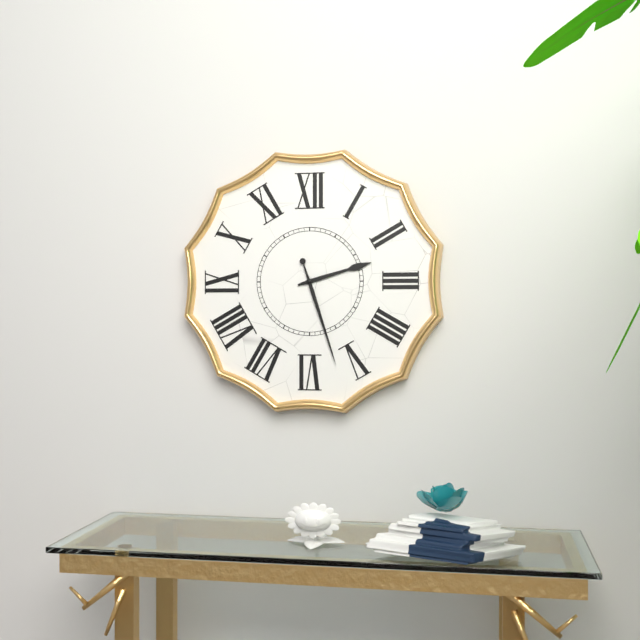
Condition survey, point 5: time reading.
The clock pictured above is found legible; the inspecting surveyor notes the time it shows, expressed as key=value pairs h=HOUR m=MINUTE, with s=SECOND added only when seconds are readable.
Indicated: h=2 m=27
